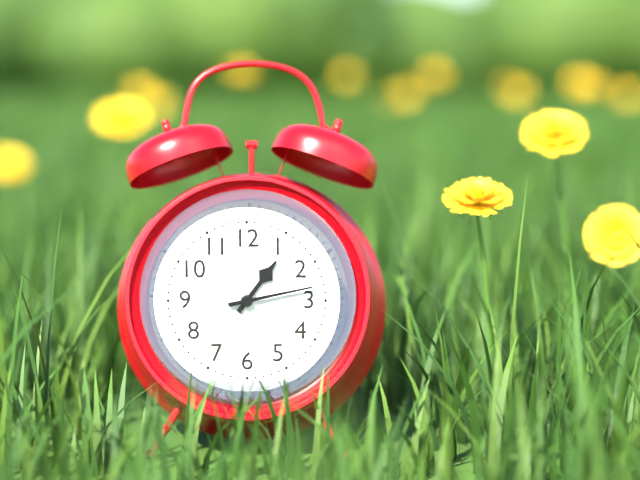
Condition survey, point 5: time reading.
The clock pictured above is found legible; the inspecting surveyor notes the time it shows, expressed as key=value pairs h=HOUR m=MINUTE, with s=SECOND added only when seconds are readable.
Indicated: h=1 m=13
